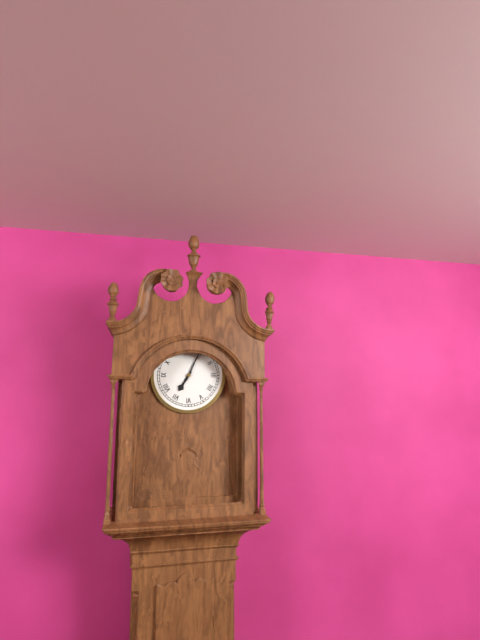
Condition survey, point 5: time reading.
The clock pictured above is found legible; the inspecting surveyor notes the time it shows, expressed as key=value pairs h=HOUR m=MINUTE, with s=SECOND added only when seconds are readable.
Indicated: h=7 m=4
